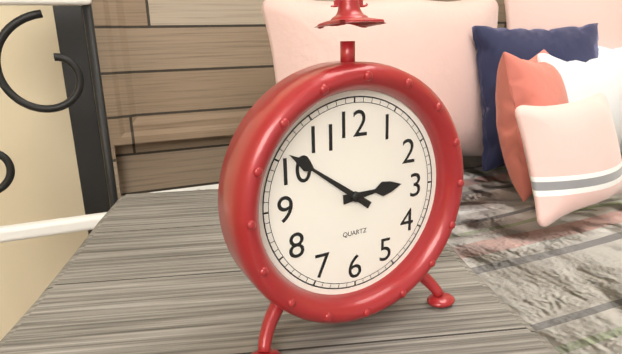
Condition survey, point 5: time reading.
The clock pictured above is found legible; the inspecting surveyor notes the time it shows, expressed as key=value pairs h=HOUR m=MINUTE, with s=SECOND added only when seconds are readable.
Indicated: h=2 m=51
